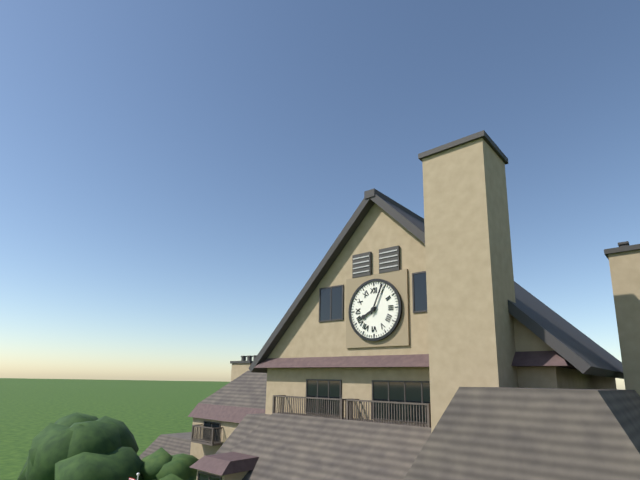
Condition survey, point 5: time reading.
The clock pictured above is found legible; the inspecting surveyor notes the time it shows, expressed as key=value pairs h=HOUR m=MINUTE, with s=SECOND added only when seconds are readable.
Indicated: h=8 m=4
